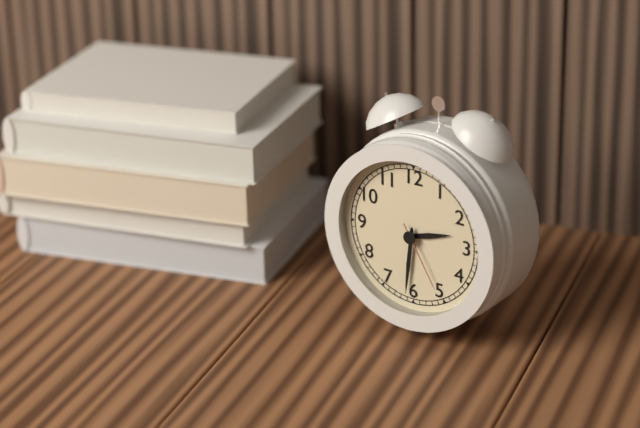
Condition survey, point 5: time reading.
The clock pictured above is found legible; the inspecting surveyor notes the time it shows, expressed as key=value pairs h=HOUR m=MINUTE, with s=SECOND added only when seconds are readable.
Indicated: h=2 m=31 s=25
